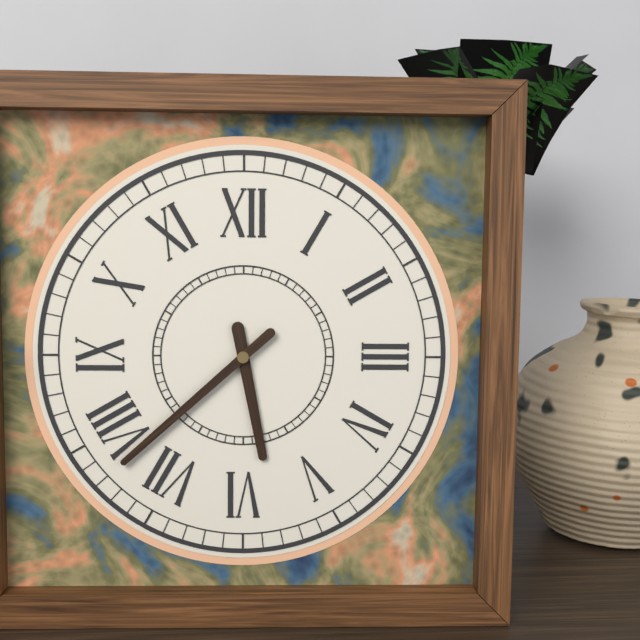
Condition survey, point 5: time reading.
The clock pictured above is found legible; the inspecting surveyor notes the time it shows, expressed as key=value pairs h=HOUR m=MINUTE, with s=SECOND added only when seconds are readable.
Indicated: h=5 m=38
